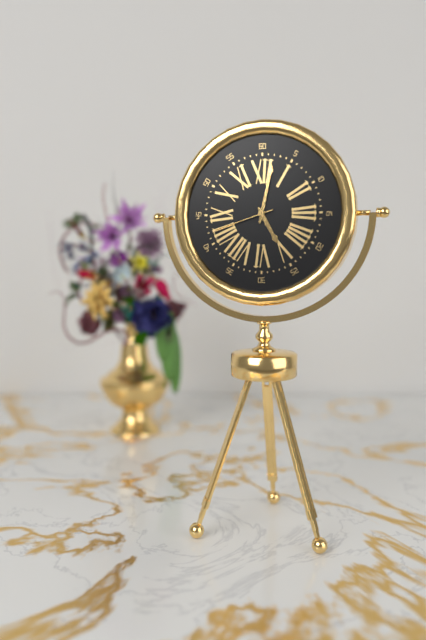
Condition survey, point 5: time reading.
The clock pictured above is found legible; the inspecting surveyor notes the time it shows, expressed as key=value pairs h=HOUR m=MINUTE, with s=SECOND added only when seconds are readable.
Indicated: h=5 m=2 s=42
